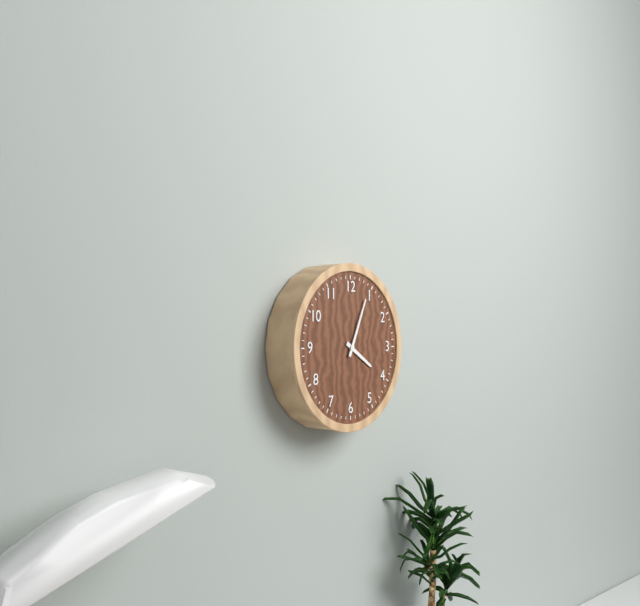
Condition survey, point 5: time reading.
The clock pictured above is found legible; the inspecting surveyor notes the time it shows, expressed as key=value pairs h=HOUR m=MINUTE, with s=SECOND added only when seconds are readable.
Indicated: h=4 m=4
